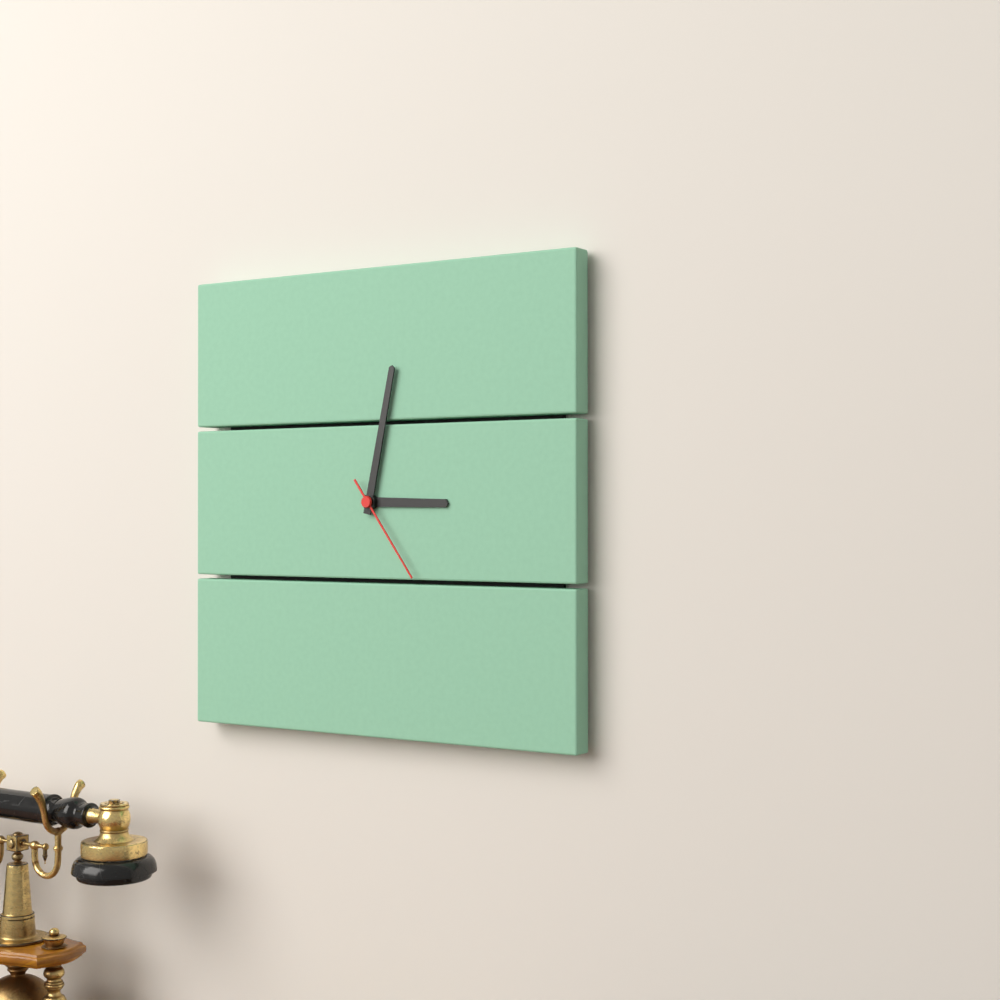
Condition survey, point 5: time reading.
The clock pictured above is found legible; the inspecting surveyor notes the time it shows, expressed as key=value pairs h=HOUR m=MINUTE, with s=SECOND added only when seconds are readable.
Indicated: h=3 m=2 s=24
